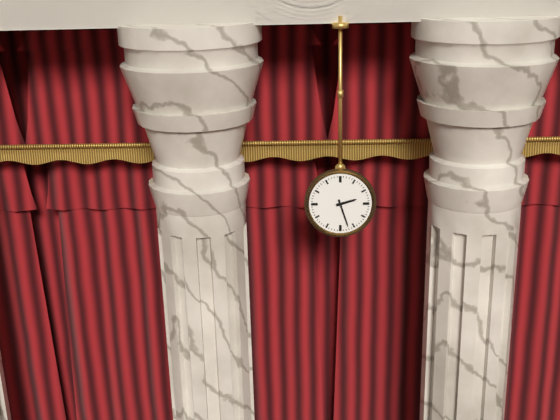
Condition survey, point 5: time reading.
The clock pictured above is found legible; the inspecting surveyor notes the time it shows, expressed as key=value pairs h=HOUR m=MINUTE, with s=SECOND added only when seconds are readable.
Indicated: h=2 m=27
